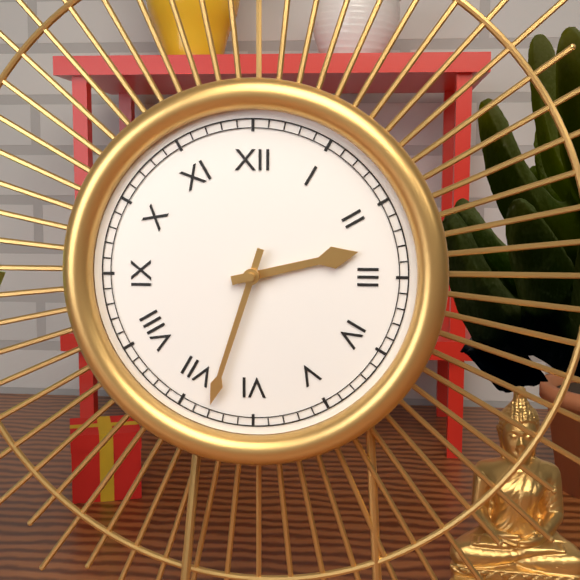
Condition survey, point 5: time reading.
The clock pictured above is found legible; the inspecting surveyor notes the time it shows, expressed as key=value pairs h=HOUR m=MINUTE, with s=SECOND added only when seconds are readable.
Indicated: h=2 m=33
